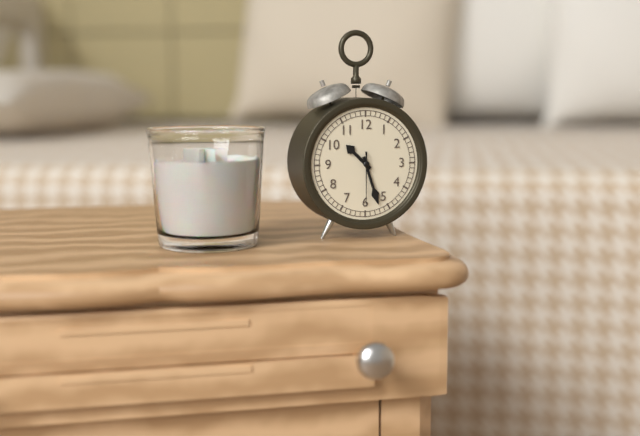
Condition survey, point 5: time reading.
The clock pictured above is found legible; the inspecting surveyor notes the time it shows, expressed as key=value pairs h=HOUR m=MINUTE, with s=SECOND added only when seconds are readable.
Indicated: h=10 m=27 s=30
